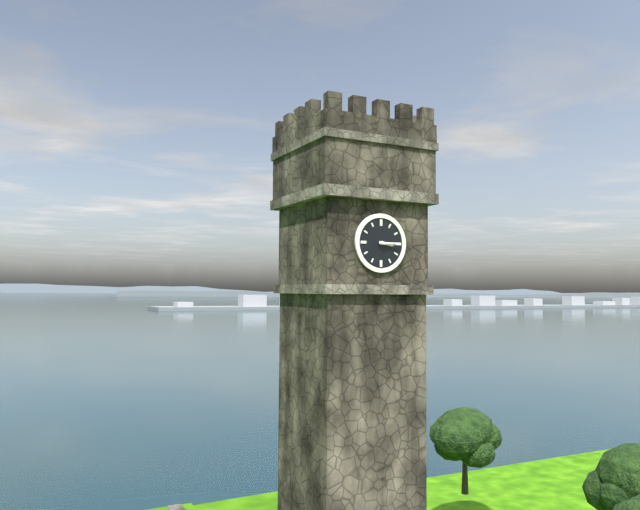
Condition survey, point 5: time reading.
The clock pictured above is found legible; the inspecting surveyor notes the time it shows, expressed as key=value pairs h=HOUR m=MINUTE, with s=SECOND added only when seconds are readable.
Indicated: h=3 m=15
